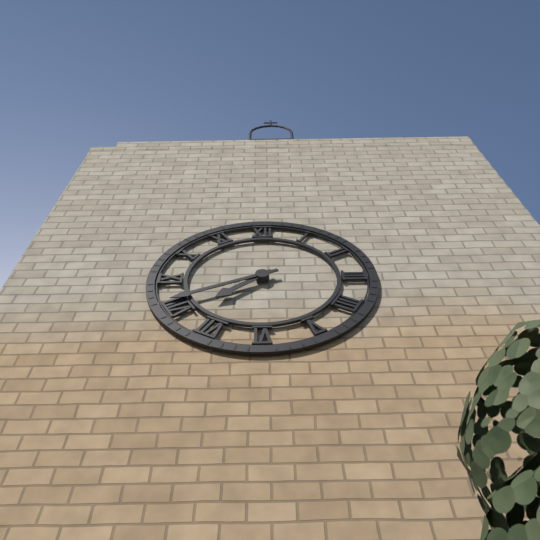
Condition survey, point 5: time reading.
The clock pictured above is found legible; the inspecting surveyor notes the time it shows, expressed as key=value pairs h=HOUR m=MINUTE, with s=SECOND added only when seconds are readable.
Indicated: h=7 m=41
